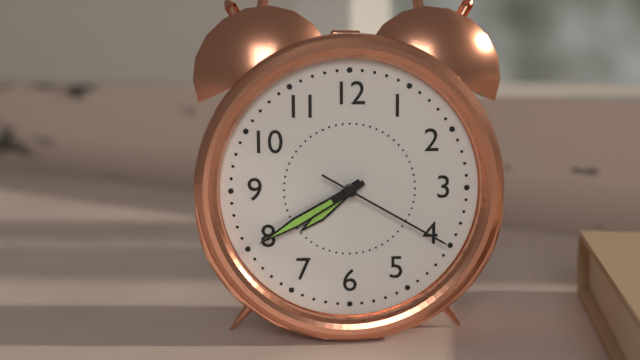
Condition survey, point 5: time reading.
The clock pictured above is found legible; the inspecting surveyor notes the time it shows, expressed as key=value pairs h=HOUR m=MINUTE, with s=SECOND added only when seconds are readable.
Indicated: h=7 m=40 s=20
